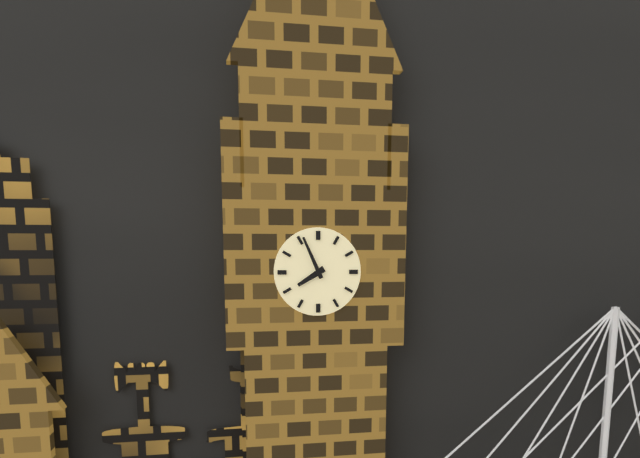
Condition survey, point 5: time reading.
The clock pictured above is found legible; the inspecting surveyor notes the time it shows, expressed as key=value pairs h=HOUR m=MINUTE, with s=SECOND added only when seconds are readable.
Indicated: h=7 m=56
